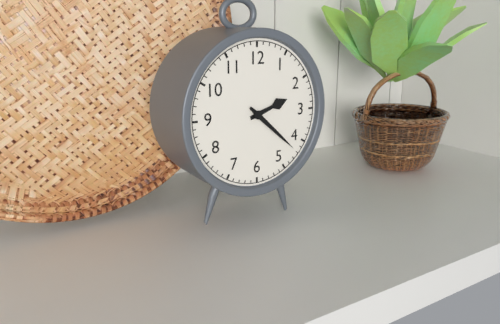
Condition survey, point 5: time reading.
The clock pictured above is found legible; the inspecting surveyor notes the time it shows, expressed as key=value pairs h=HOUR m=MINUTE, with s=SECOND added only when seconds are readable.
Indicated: h=2 m=22
